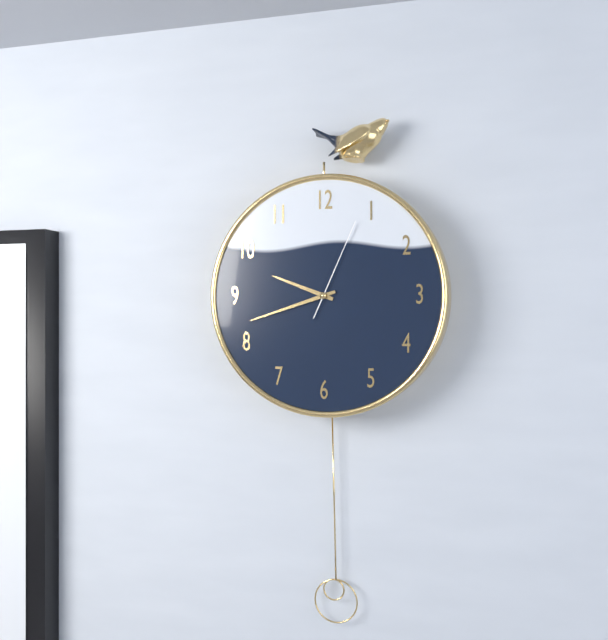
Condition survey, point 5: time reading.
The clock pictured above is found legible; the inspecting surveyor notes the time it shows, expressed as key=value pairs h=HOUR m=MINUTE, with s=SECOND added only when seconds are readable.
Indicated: h=9 m=42 s=4
